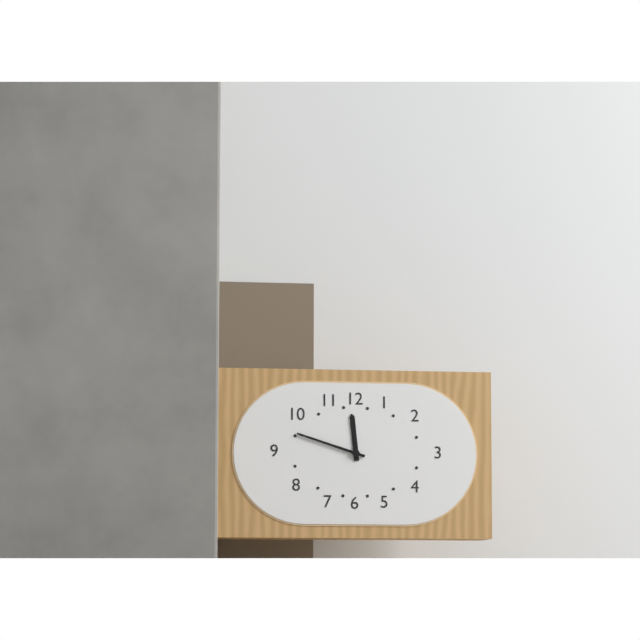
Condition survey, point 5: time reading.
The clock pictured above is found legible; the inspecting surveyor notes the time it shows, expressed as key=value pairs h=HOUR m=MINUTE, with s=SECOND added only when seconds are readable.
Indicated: h=11 m=48
